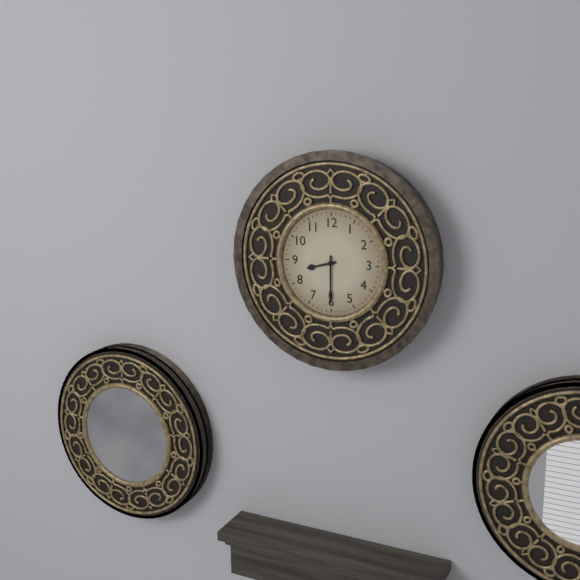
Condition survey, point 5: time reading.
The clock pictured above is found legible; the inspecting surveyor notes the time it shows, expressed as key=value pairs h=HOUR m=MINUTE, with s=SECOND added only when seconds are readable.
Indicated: h=8 m=30
